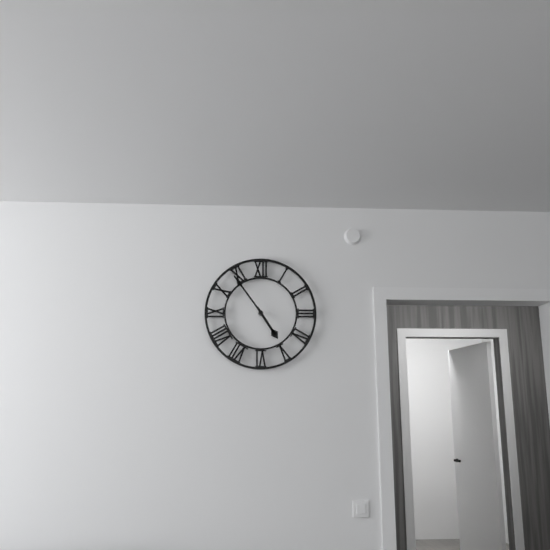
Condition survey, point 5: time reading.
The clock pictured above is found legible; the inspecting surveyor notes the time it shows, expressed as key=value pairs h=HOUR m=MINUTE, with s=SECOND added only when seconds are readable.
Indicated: h=4 m=54
